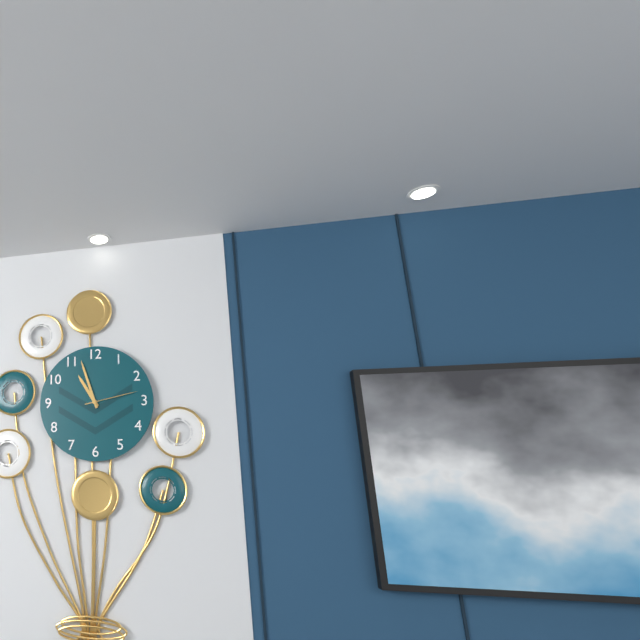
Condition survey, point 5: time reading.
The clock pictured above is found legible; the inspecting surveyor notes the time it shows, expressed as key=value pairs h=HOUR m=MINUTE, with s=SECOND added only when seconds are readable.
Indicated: h=10 m=57 s=13
